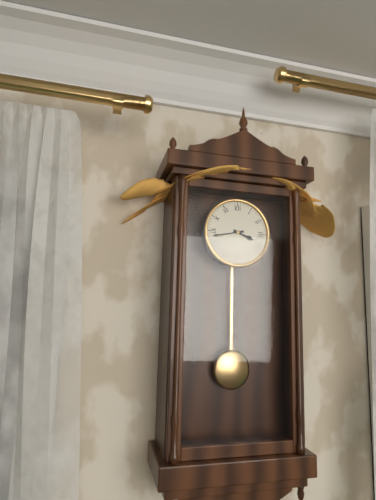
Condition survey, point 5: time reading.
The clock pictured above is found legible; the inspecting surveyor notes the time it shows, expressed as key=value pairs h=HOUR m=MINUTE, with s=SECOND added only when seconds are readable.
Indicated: h=3 m=43
